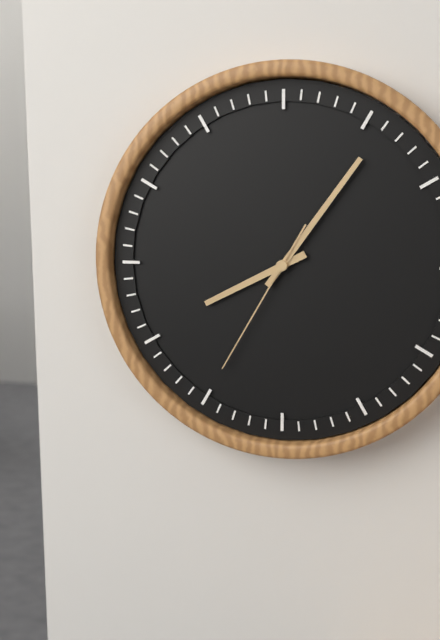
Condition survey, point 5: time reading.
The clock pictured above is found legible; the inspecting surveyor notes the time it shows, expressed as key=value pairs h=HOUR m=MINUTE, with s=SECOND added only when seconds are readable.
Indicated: h=8 m=6 s=35
